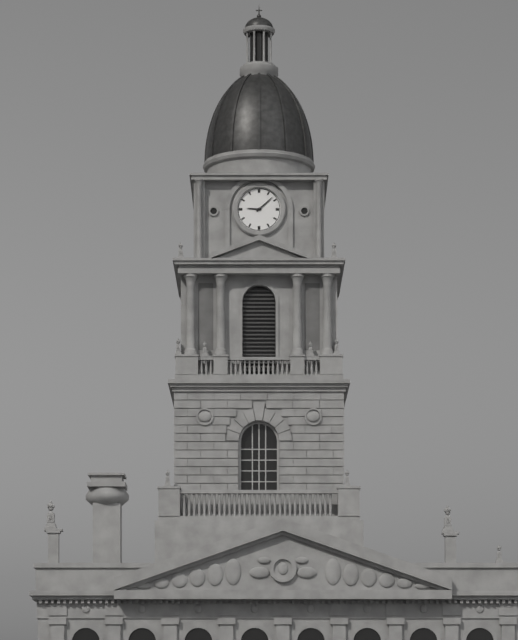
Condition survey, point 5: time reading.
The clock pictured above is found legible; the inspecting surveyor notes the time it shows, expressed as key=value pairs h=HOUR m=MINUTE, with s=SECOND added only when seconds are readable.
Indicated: h=9 m=8
